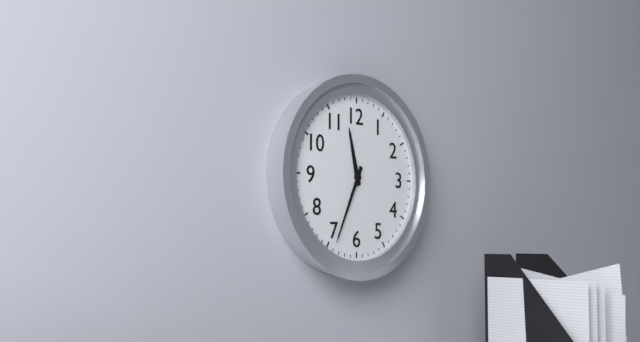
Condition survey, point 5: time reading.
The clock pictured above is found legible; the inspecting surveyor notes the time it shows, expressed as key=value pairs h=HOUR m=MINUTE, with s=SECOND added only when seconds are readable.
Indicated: h=11 m=34
